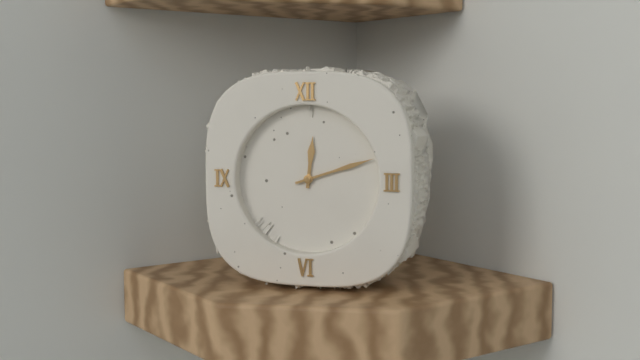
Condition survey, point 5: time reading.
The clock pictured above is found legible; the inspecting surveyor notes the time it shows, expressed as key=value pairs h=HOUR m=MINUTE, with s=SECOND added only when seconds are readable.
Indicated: h=12 m=12
